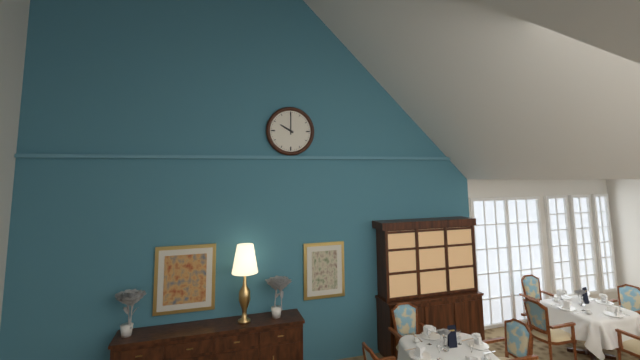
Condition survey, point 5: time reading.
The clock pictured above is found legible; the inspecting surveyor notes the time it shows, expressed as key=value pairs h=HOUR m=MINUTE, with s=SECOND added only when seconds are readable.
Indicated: h=10 m=0
